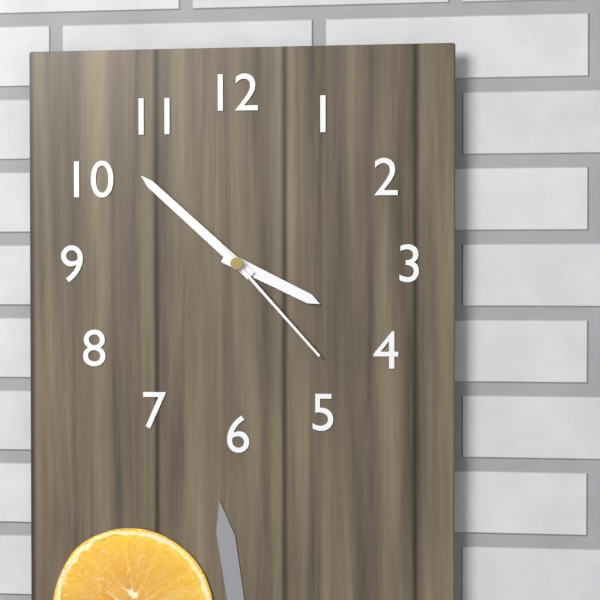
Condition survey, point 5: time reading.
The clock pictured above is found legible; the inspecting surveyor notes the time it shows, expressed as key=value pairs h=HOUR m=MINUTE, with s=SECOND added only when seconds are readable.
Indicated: h=3 m=52 s=23
